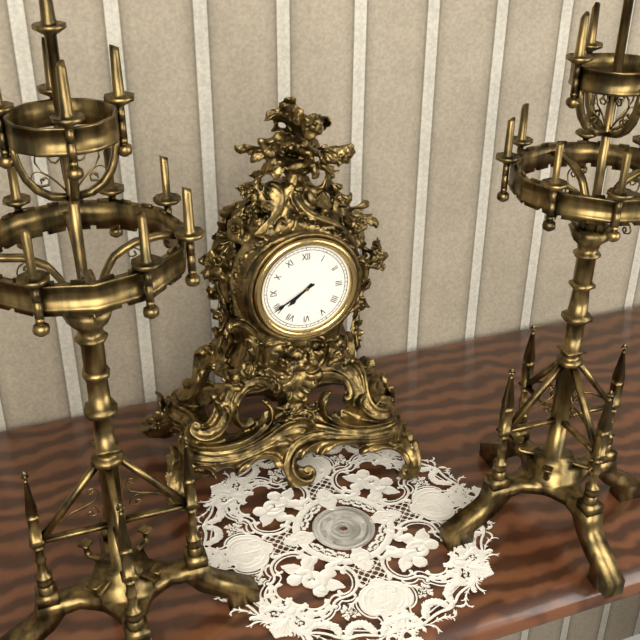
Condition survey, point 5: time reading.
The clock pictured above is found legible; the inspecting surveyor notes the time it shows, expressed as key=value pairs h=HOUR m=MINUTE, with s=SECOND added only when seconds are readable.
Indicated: h=7 m=40
